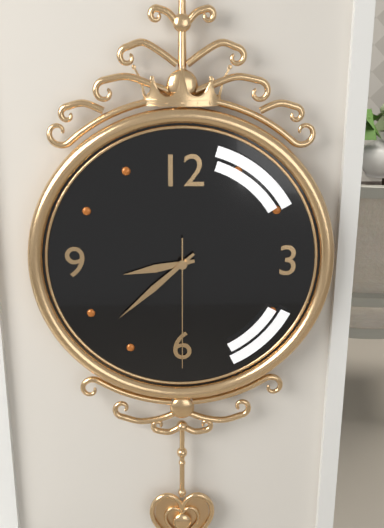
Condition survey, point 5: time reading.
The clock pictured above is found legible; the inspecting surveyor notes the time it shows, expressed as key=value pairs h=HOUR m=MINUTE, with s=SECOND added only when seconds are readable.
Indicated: h=8 m=38 s=30
